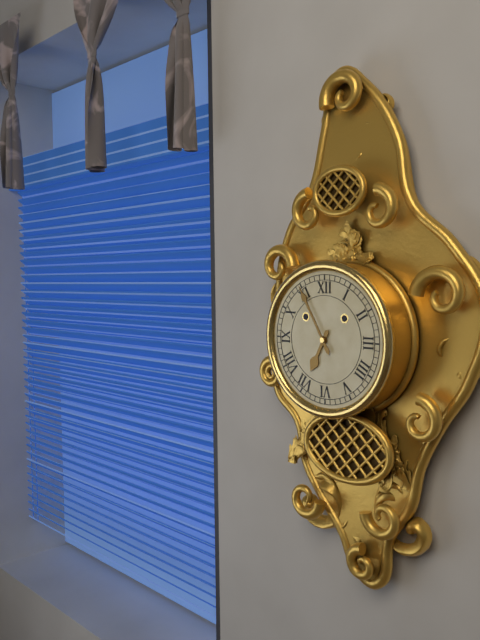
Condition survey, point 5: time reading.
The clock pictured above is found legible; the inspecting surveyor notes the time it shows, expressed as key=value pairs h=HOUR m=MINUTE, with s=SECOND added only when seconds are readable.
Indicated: h=6 m=55
